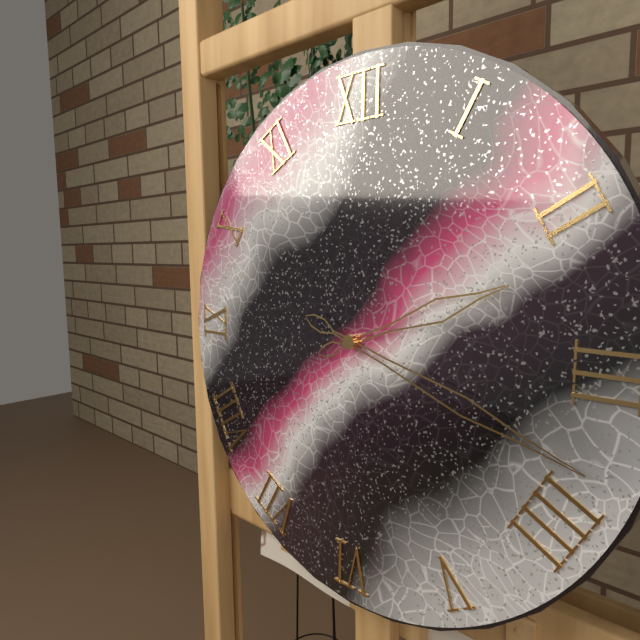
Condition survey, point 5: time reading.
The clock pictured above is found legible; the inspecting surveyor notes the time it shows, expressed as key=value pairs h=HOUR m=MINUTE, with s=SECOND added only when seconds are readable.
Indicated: h=2 m=18
